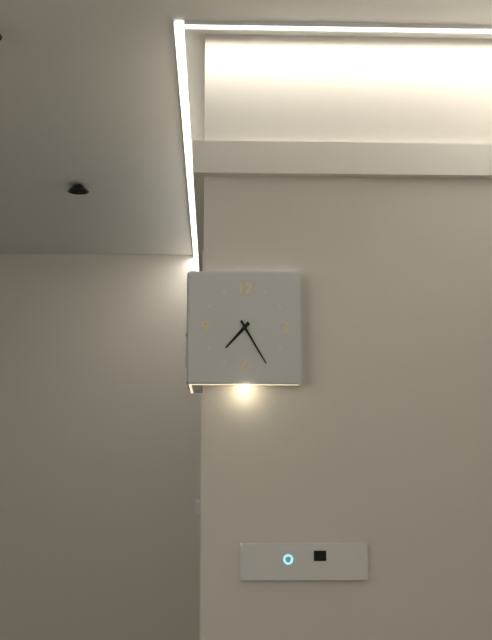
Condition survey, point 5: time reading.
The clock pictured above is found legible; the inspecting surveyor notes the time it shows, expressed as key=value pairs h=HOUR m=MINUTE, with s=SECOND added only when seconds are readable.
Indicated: h=7 m=25
